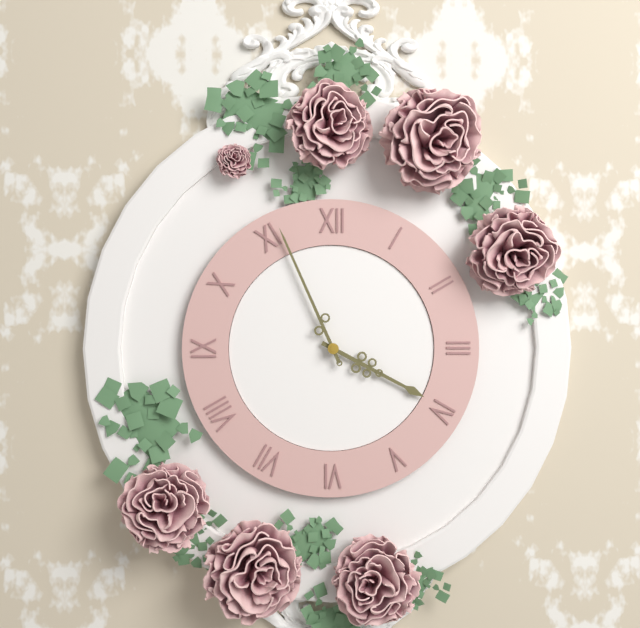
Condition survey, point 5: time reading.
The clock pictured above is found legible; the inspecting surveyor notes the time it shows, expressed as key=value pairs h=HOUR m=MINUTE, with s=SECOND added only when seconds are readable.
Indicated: h=3 m=56
